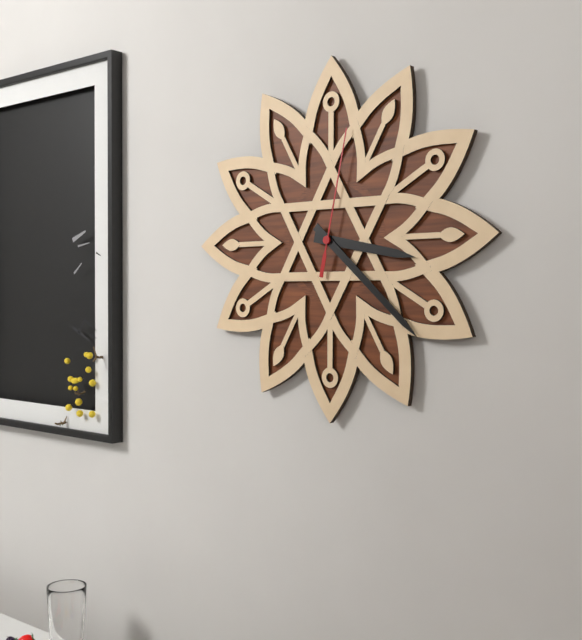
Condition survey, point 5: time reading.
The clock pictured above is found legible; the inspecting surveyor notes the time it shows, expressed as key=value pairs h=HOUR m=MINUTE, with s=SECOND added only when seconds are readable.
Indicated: h=3 m=22 s=2
